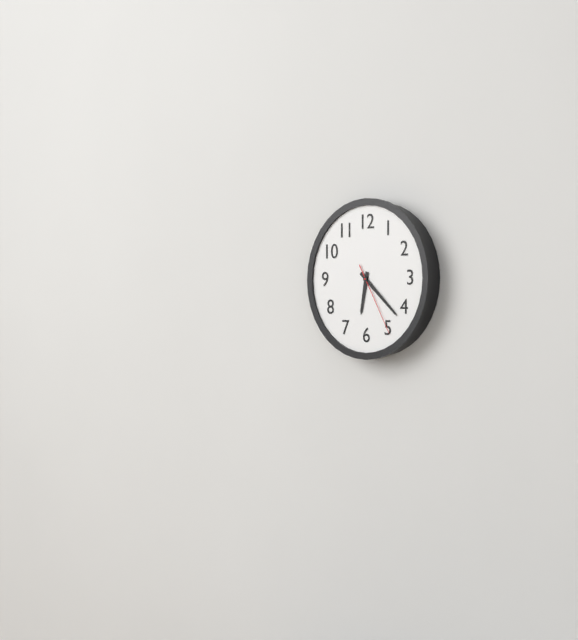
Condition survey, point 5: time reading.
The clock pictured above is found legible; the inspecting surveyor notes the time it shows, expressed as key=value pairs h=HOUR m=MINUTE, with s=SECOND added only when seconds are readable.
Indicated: h=6 m=22 s=25
